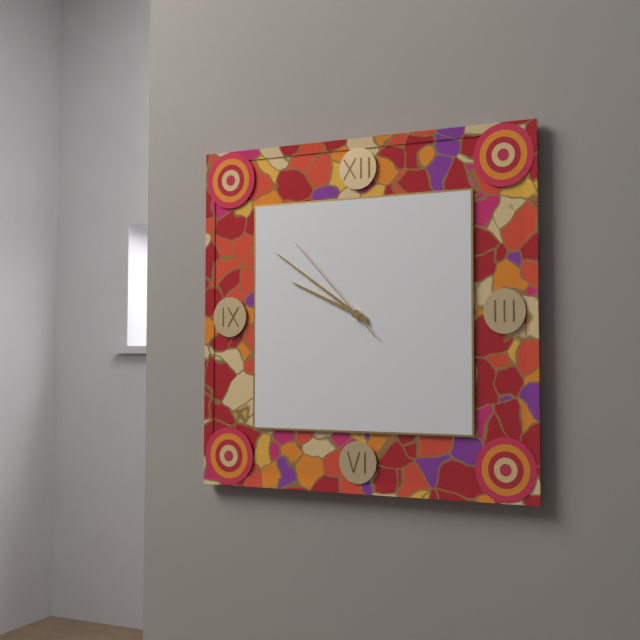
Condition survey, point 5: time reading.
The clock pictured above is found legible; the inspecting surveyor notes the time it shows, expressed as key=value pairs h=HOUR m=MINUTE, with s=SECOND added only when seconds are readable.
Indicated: h=9 m=51 s=53
